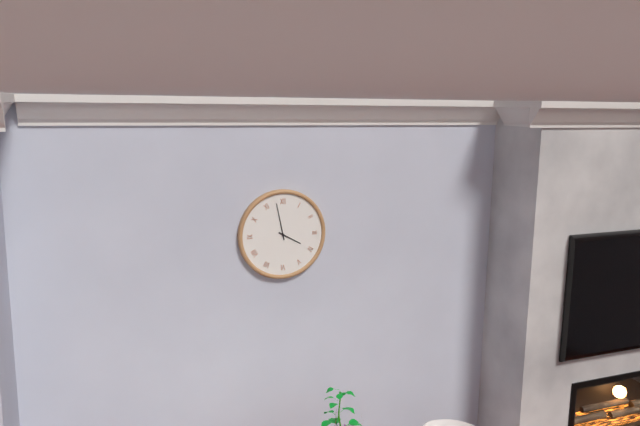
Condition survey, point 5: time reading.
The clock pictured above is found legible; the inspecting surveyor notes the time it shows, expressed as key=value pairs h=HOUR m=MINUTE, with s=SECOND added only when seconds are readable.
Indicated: h=3 m=58
